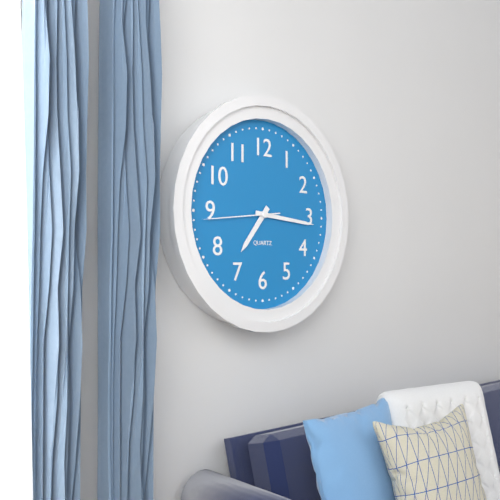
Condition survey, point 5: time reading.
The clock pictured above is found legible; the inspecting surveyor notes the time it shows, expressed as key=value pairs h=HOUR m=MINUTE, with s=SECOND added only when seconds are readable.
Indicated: h=7 m=16 s=44
